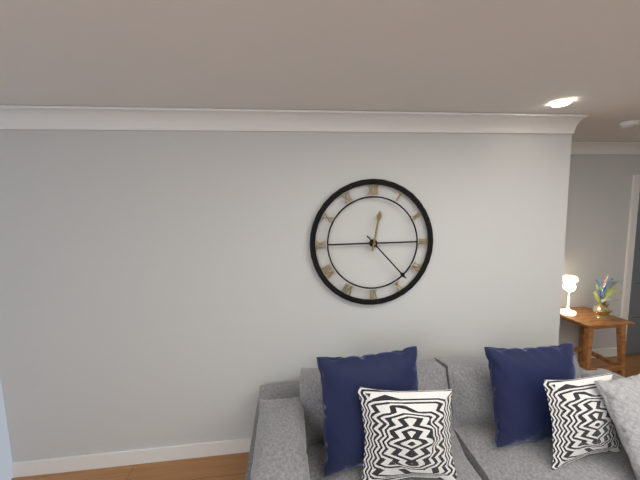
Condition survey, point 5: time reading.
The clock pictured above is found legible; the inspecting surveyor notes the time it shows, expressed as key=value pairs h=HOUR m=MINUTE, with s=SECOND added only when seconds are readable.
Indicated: h=12 m=23
